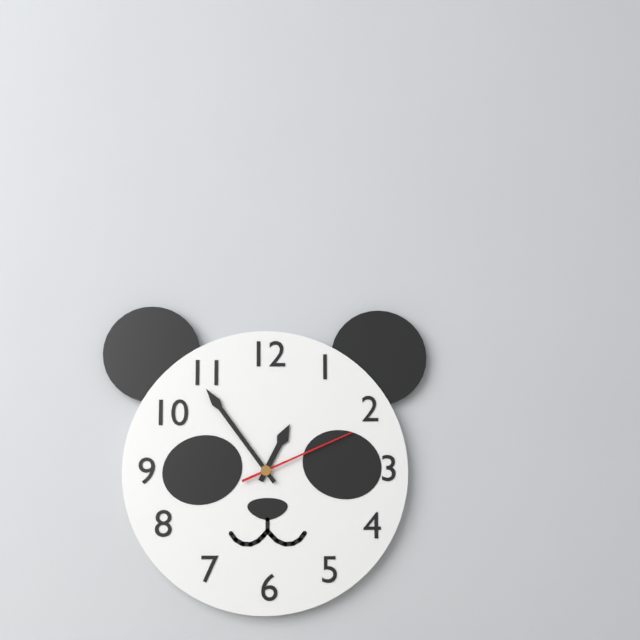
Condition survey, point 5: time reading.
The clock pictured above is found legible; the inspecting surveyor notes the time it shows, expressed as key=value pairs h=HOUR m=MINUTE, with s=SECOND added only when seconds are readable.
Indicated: h=12 m=54 s=11
